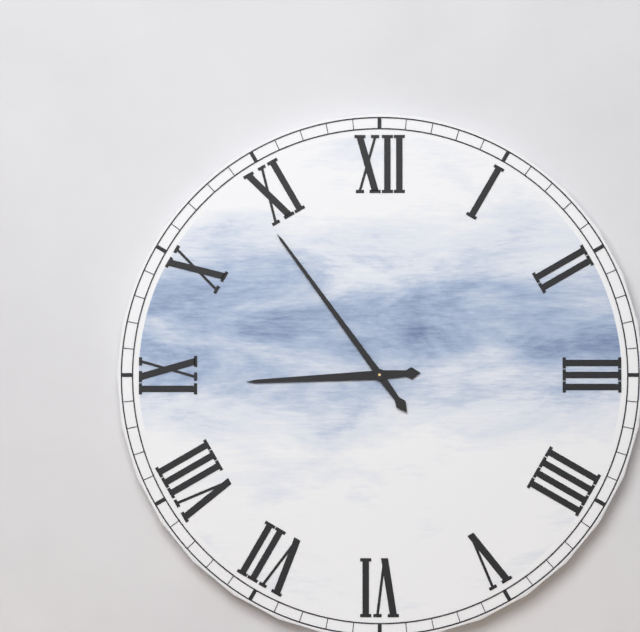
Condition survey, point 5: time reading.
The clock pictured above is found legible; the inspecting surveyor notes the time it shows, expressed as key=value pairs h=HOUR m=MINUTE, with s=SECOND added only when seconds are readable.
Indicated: h=8 m=54
